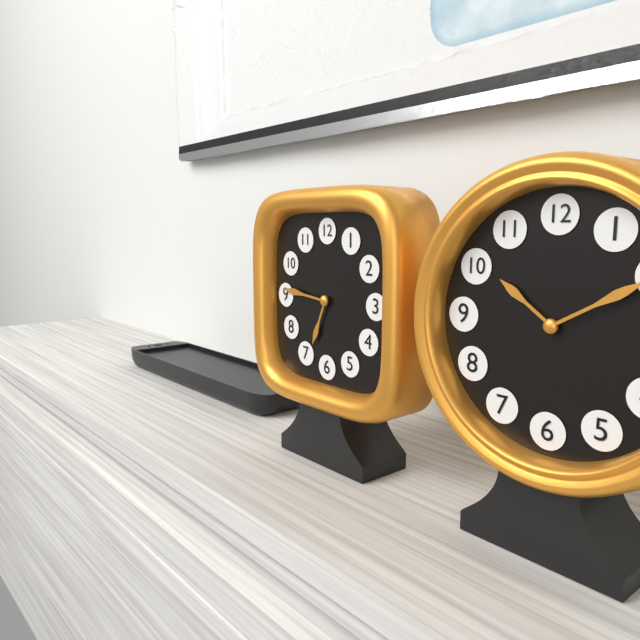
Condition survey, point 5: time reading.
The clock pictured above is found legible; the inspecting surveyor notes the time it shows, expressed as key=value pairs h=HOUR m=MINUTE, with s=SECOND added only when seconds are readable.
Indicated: h=6 m=46
